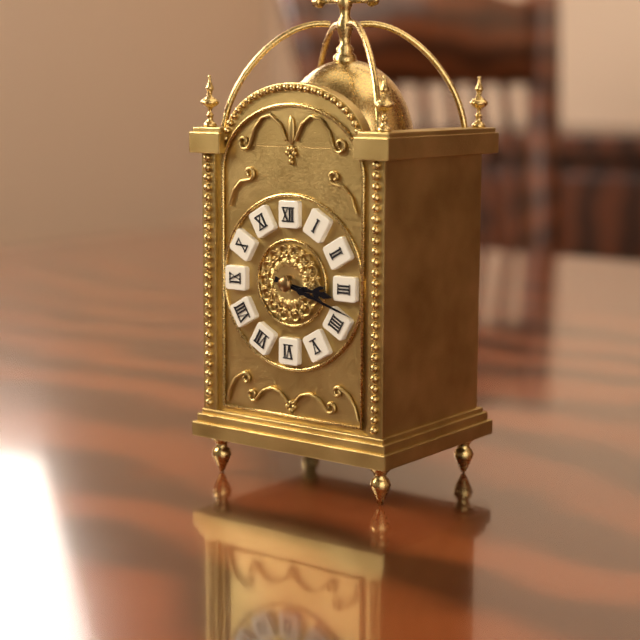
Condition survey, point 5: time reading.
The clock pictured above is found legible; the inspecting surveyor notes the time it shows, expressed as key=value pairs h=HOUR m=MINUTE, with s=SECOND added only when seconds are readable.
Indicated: h=3 m=18
